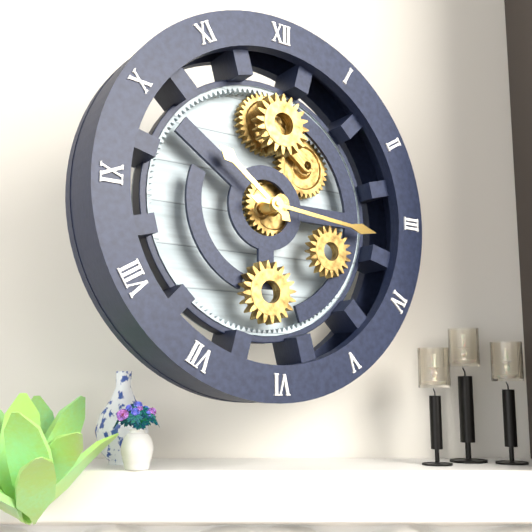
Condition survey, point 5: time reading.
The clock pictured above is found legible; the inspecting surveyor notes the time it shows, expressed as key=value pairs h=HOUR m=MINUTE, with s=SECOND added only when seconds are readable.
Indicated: h=10 m=16
